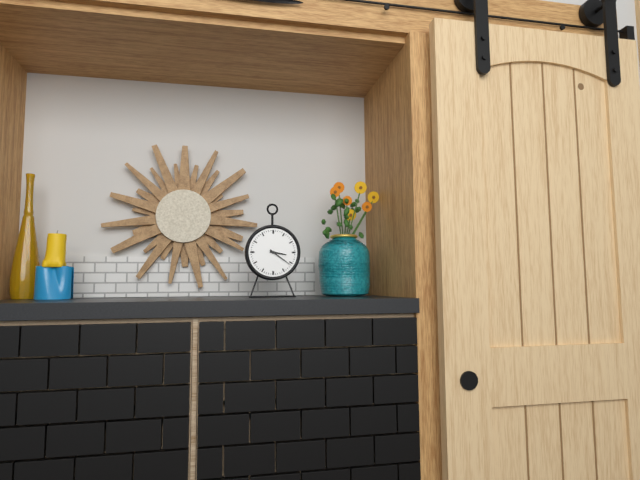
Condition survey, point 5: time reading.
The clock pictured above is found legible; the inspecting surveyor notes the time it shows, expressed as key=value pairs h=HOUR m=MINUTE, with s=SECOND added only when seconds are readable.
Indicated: h=3 m=21
